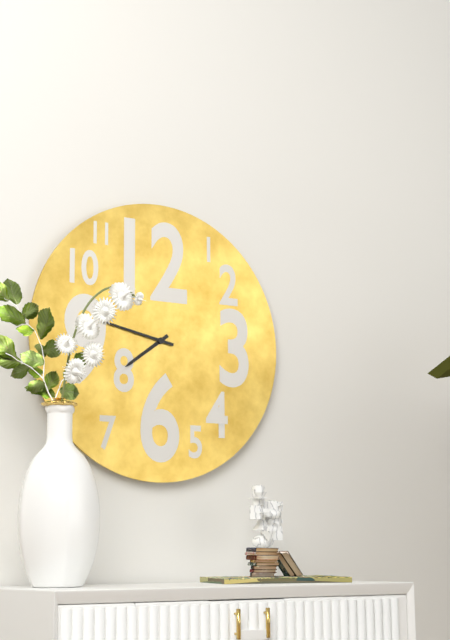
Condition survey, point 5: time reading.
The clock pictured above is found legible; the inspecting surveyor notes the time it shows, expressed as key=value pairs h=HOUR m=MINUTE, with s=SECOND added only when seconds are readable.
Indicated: h=7 m=47
